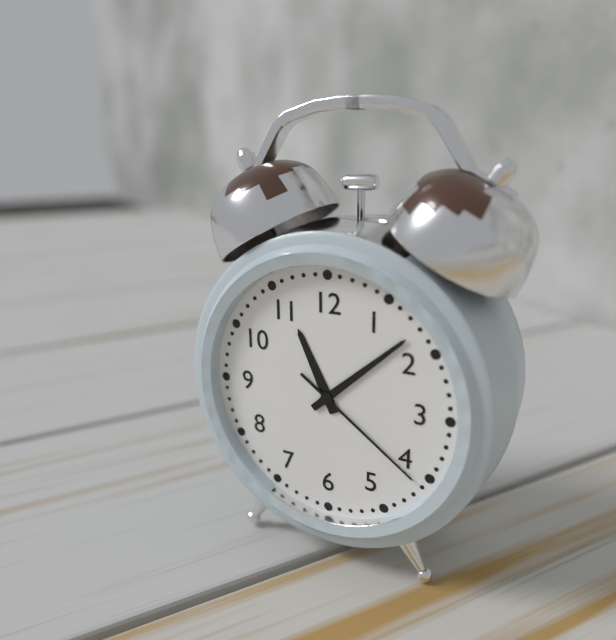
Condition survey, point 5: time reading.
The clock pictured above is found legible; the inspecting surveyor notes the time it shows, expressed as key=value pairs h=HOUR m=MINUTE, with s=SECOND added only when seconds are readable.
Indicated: h=11 m=8 s=21
